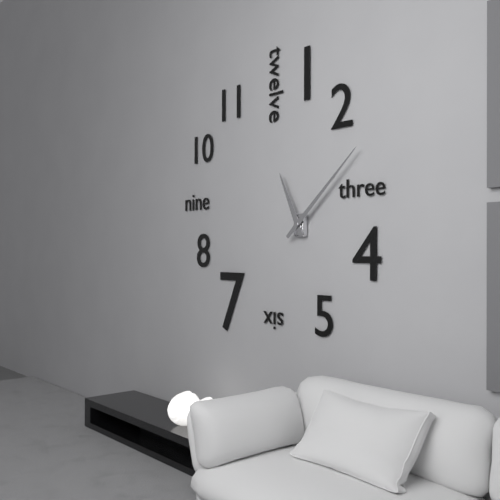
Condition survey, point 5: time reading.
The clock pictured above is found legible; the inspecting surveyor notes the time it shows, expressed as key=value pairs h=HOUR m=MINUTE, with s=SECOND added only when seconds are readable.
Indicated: h=11 m=8
